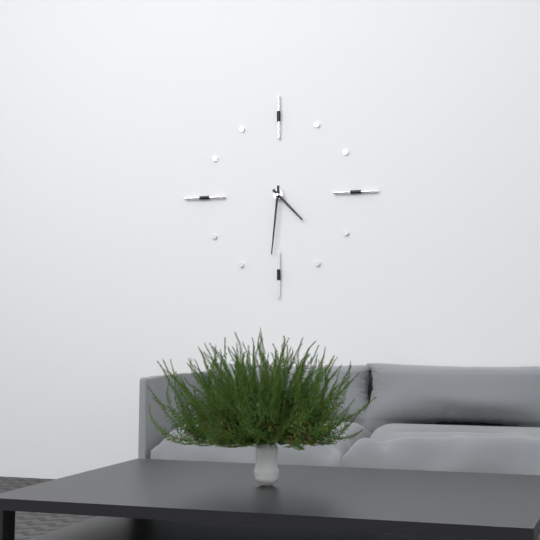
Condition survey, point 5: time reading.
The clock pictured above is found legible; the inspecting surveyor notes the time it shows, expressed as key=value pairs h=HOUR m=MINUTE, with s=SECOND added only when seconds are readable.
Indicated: h=4 m=31
